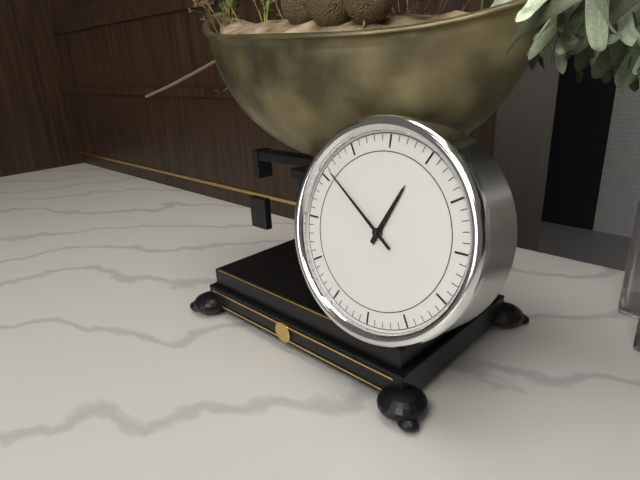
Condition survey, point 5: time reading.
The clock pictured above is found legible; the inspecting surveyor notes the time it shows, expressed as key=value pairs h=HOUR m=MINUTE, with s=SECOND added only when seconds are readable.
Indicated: h=12 m=51
